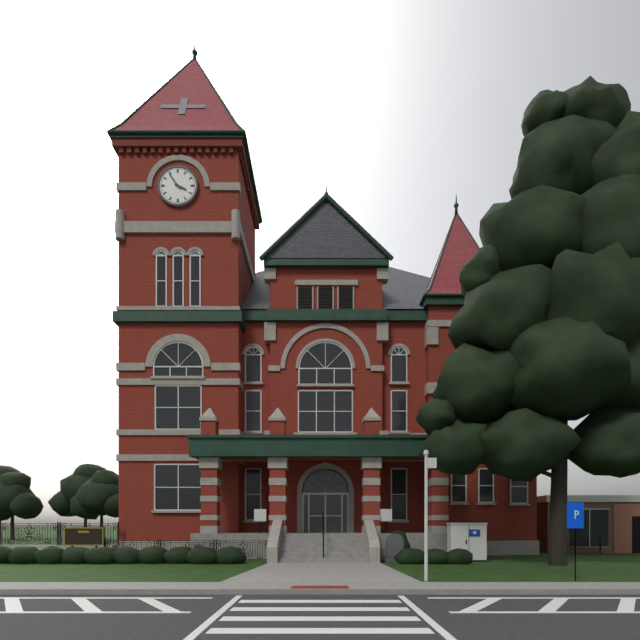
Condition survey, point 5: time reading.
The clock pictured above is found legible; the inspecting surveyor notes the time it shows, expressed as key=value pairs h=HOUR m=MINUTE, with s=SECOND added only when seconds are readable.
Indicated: h=3 m=54
